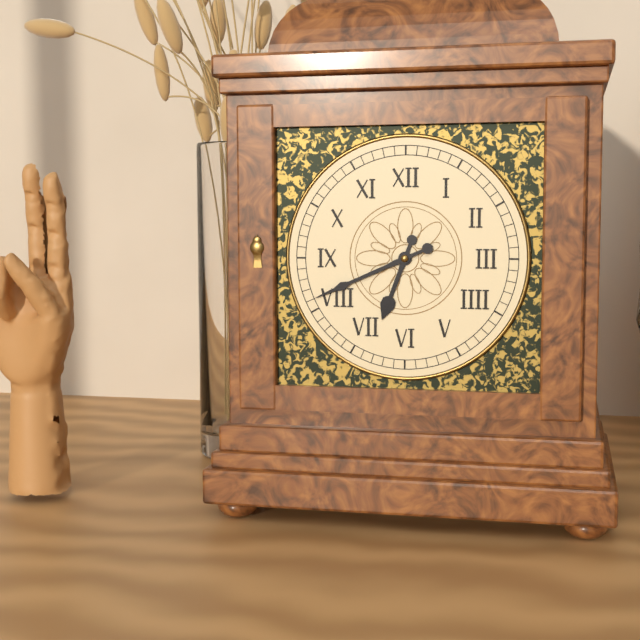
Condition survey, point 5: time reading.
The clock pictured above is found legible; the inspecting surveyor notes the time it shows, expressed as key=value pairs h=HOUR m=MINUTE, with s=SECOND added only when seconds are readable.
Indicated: h=6 m=41
